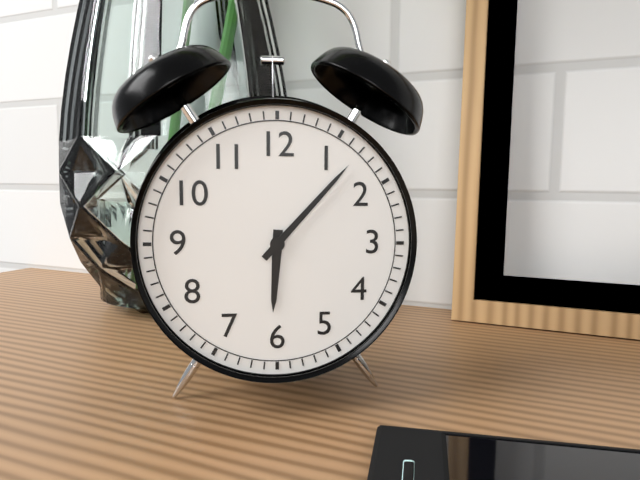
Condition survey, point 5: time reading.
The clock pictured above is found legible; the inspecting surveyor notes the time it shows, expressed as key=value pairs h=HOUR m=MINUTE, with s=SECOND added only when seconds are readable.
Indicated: h=6 m=7
